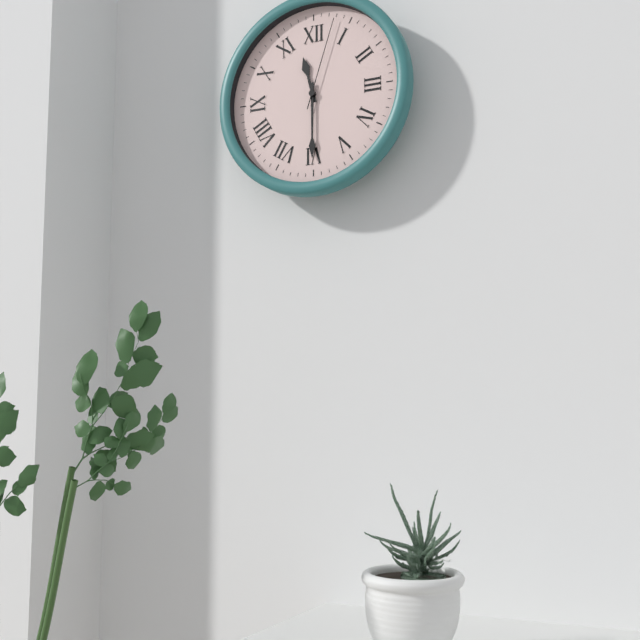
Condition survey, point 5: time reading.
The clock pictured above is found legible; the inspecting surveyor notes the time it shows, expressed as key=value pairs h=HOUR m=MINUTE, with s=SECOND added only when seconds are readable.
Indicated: h=11 m=30 s=3
